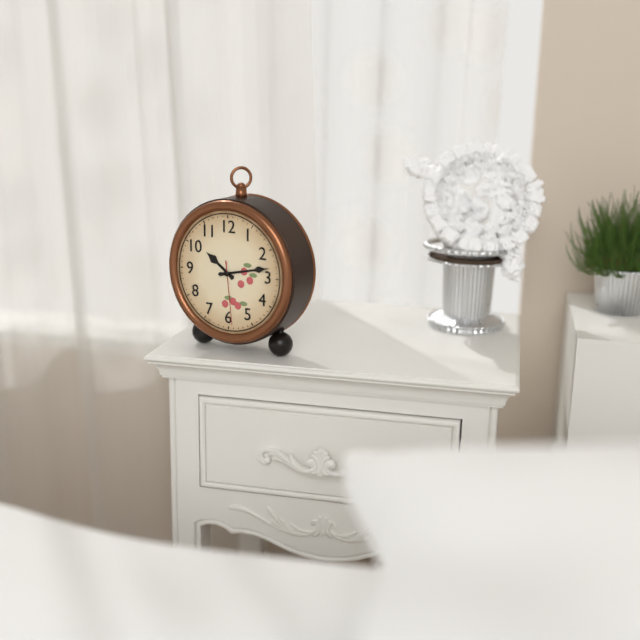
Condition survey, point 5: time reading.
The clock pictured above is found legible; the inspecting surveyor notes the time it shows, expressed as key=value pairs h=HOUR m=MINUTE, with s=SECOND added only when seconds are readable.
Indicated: h=10 m=13 s=29
